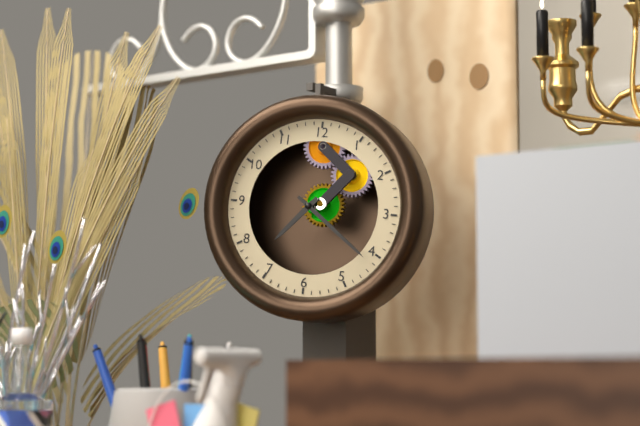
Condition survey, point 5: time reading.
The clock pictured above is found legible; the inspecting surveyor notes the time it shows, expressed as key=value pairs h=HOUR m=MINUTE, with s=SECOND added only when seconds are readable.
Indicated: h=7 m=21
